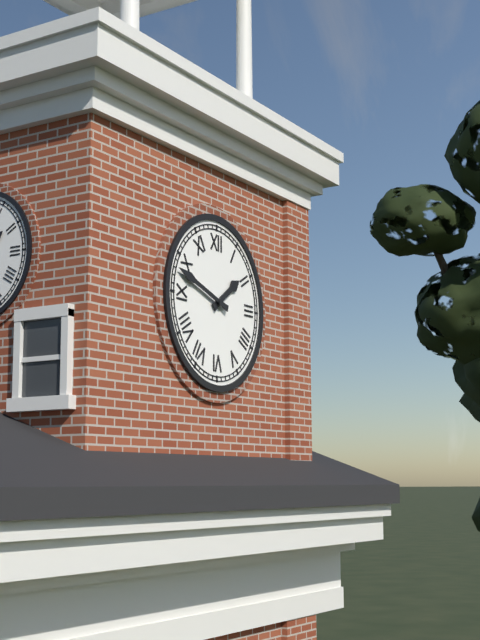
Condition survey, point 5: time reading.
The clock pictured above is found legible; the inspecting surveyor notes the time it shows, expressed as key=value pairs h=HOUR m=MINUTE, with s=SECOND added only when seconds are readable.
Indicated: h=1 m=48
